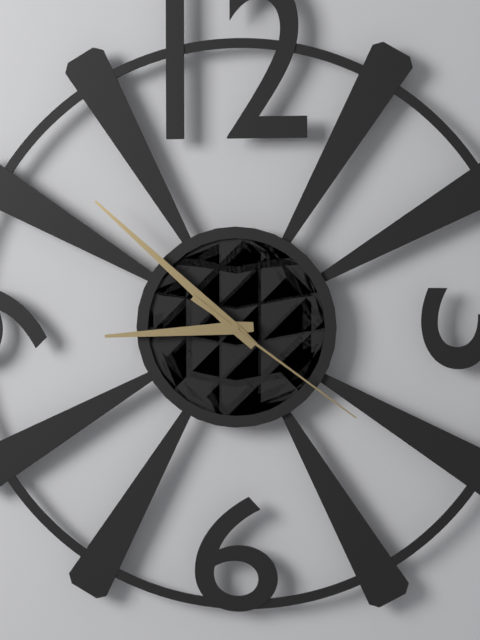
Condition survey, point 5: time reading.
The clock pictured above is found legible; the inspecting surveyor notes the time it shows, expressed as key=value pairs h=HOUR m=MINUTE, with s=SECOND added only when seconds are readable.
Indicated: h=8 m=52 s=21
